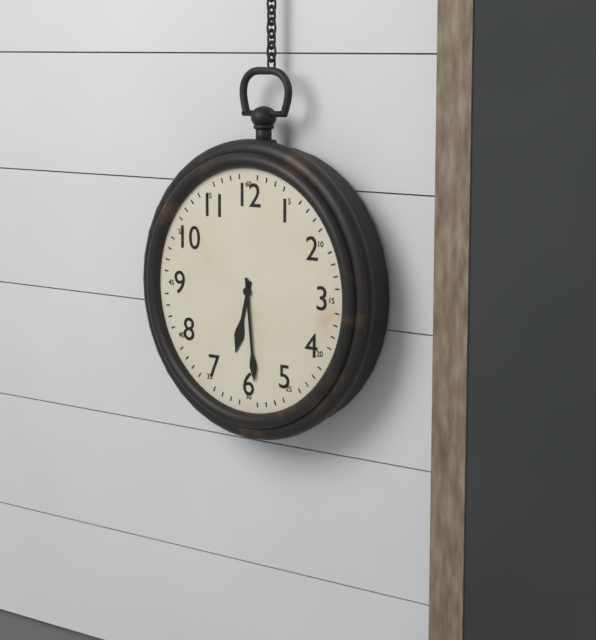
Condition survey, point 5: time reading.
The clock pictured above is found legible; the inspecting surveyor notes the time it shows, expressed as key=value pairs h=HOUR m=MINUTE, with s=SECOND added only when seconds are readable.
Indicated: h=6 m=29
